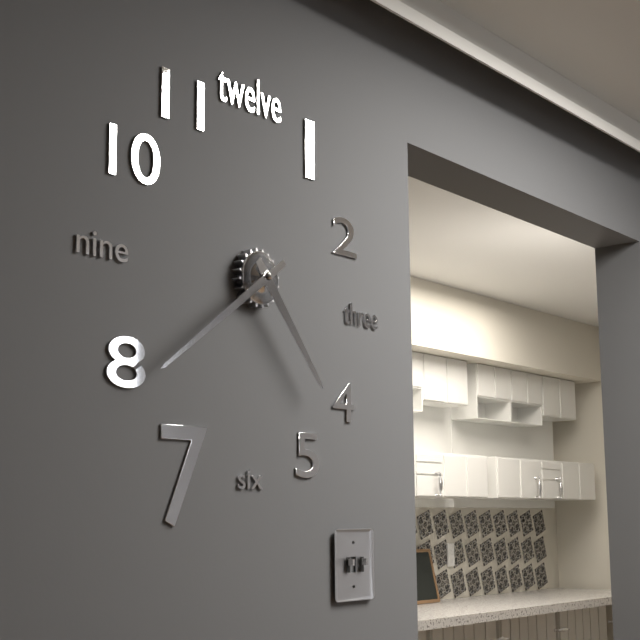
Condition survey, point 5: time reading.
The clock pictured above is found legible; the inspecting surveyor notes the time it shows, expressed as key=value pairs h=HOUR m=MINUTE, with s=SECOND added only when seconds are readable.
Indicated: h=4 m=39
